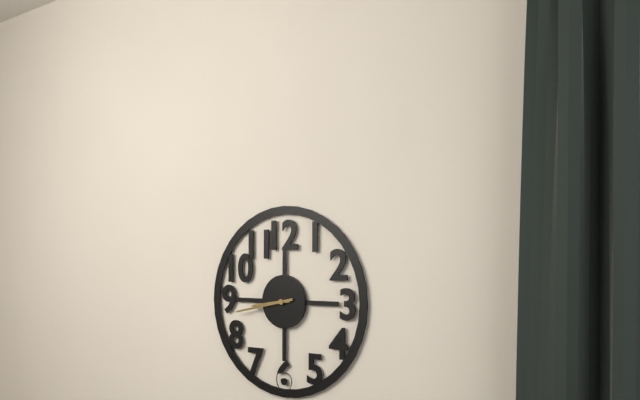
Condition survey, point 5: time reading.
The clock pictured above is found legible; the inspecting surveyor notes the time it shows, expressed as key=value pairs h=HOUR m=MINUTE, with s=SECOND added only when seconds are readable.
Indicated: h=8 m=43
